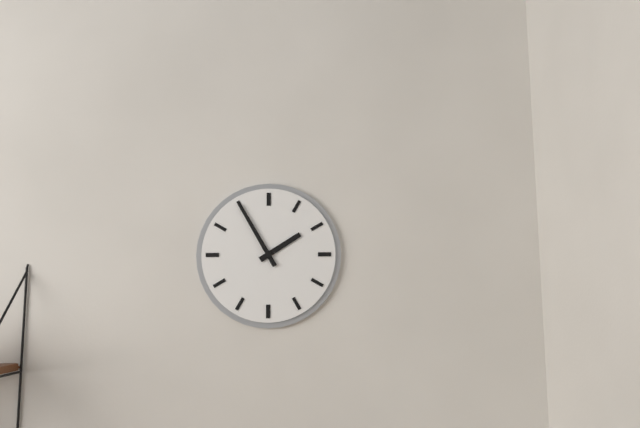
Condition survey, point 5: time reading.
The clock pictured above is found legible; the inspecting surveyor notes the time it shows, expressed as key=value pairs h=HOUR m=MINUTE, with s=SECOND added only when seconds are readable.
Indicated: h=1 m=55
